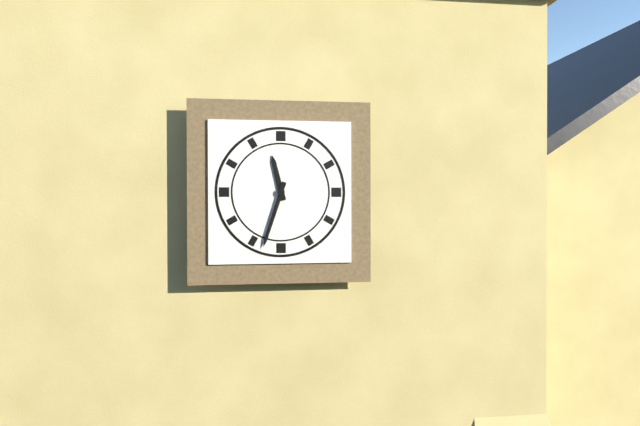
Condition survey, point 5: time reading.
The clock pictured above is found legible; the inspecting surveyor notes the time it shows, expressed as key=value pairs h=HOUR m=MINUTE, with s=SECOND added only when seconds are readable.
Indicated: h=11 m=33
